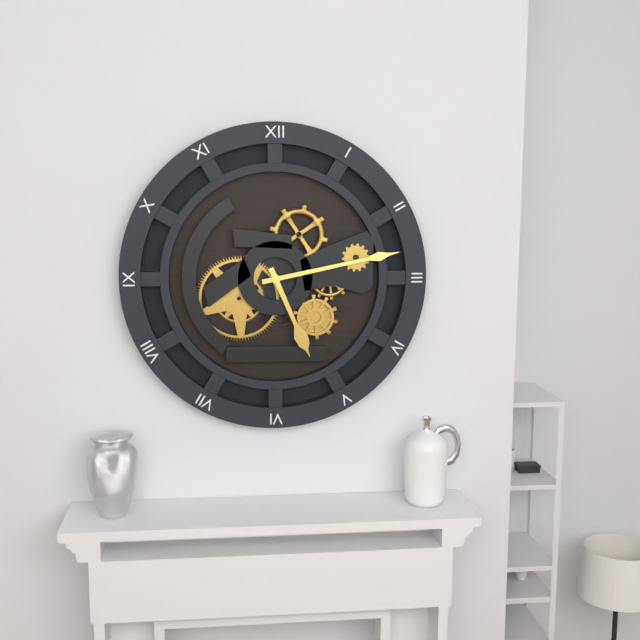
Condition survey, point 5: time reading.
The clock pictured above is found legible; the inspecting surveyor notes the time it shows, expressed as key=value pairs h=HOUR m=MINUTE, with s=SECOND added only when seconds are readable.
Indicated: h=5 m=13
